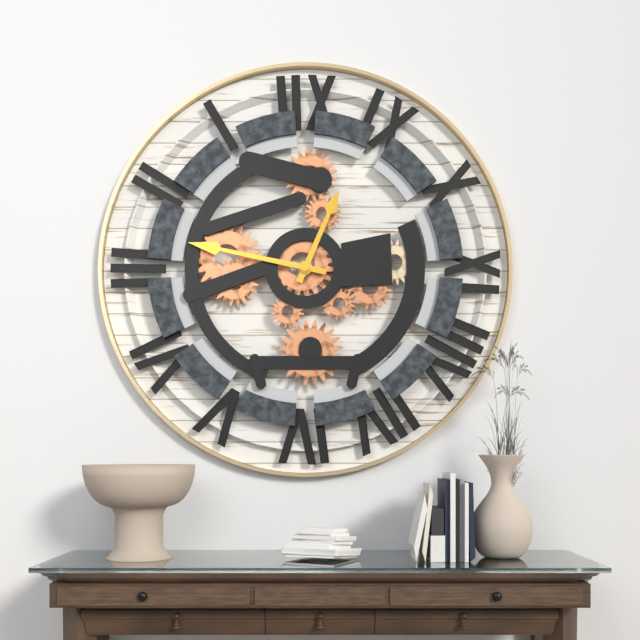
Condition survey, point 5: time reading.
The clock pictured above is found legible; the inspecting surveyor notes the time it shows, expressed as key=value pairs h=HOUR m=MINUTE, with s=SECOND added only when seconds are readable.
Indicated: h=12 m=47
